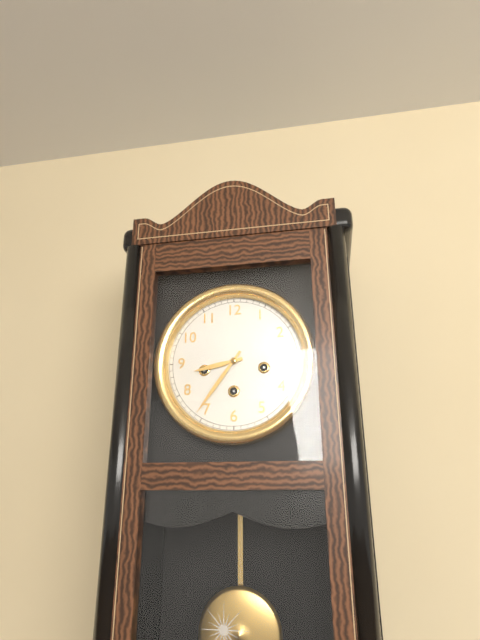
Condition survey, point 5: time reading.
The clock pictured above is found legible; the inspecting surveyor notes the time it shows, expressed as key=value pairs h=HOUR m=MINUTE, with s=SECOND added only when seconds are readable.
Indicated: h=8 m=36
